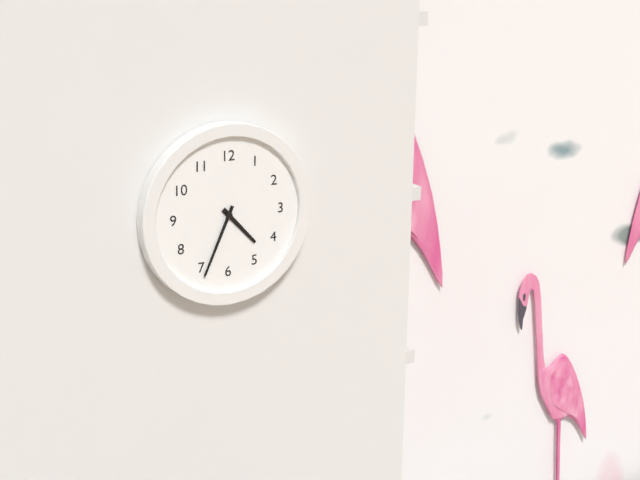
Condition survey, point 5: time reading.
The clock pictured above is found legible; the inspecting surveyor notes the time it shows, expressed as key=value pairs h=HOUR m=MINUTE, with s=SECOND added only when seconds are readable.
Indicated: h=4 m=34
